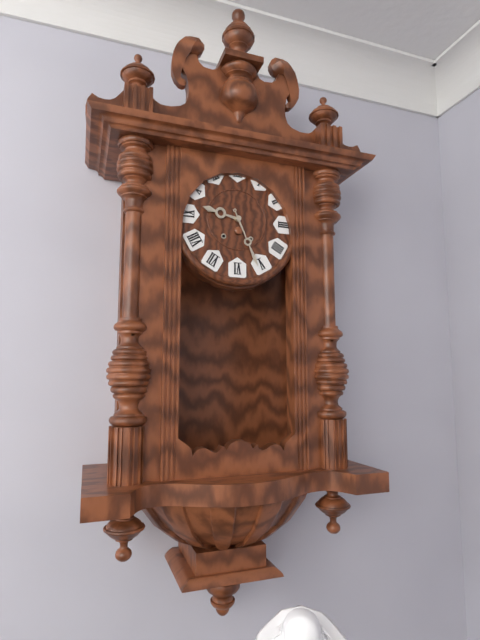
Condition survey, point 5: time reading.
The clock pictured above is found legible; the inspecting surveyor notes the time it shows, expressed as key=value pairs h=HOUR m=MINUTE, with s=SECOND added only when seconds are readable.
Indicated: h=9 m=26
